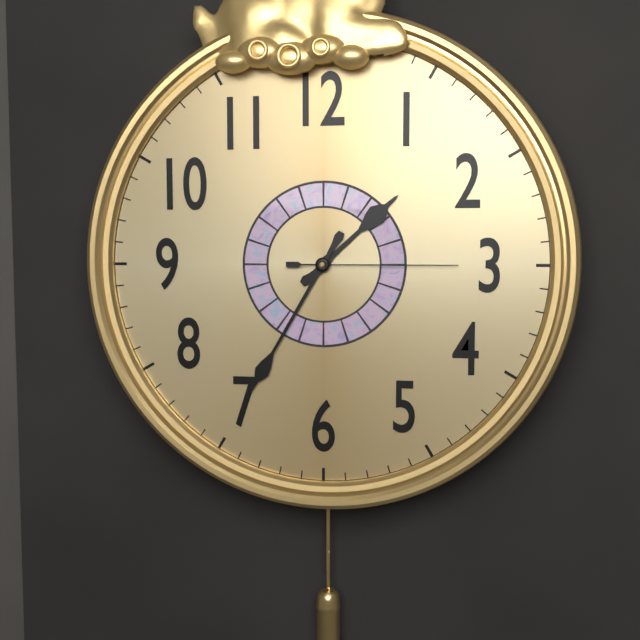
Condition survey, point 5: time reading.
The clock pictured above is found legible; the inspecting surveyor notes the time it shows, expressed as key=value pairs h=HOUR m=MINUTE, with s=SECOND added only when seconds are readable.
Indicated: h=1 m=35 s=15
